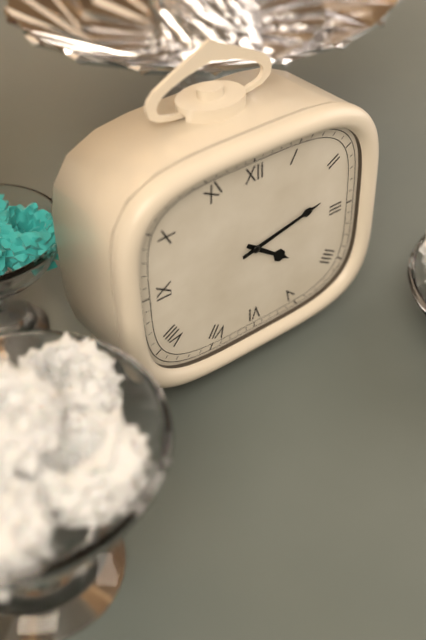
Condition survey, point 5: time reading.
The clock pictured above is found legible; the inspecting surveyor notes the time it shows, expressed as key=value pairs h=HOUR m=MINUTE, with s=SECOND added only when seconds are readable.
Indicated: h=4 m=13
